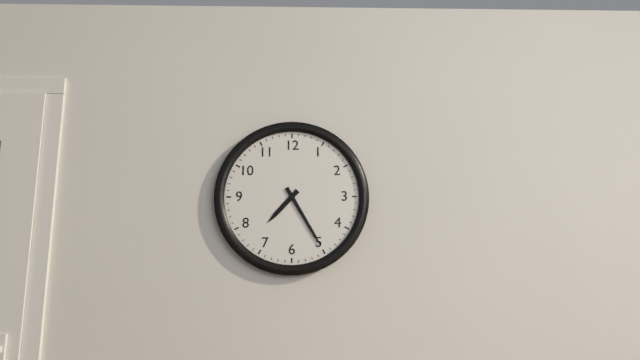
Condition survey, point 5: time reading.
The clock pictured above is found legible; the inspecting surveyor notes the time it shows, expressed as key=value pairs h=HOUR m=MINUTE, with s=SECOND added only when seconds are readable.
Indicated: h=7 m=25
